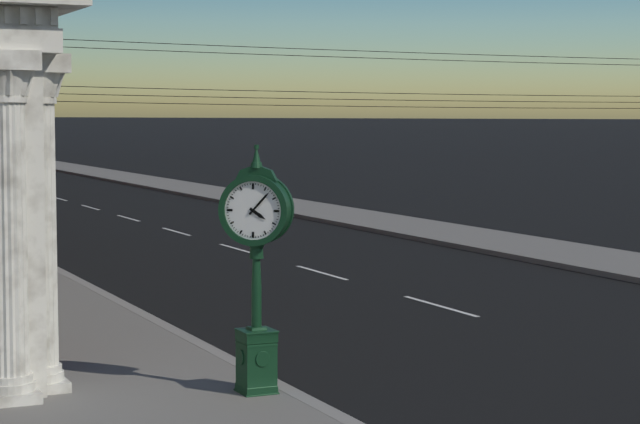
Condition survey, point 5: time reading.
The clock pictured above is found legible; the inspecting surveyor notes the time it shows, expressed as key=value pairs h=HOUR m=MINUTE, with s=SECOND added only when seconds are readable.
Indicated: h=4 m=7
